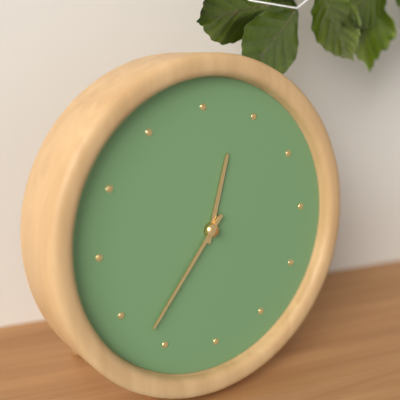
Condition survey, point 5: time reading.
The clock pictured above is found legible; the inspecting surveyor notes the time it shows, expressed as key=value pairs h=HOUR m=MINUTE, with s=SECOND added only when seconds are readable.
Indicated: h=12 m=37
